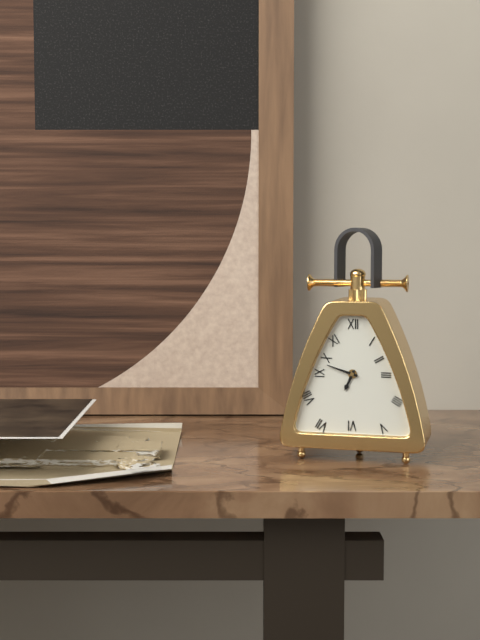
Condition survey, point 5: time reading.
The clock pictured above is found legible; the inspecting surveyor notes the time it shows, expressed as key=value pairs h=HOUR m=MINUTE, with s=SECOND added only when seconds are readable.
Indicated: h=6 m=48
